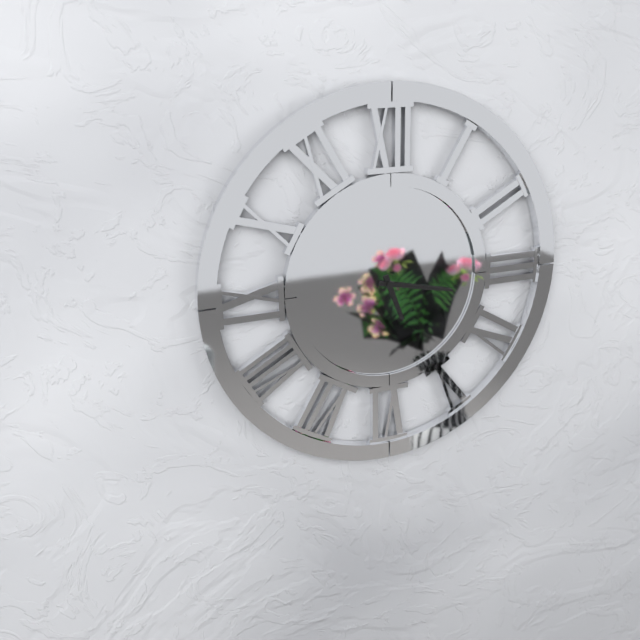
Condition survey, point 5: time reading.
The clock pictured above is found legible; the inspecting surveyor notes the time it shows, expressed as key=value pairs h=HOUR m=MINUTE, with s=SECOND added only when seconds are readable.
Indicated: h=5 m=17
